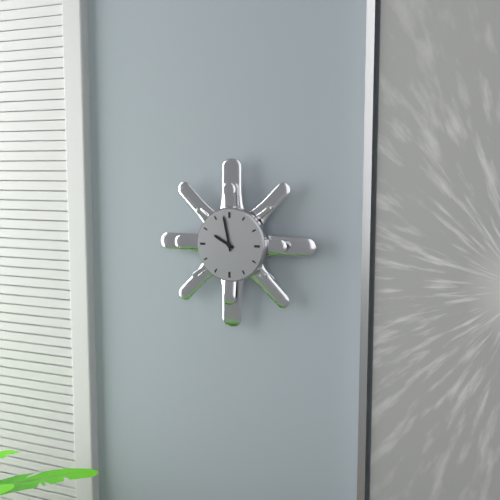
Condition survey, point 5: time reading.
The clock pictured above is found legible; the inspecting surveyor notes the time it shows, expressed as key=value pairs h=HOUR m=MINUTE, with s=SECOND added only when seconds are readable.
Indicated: h=9 m=58
